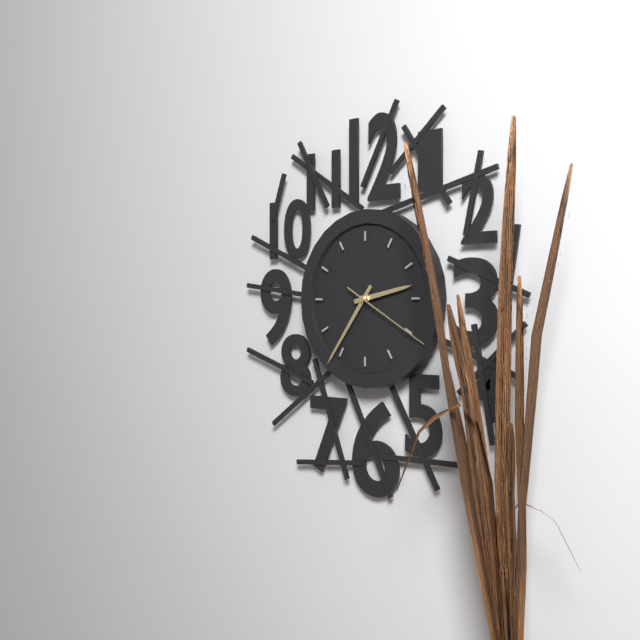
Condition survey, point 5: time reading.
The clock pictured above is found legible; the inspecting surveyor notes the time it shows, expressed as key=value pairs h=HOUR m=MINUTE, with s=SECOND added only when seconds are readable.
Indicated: h=2 m=36 s=20
